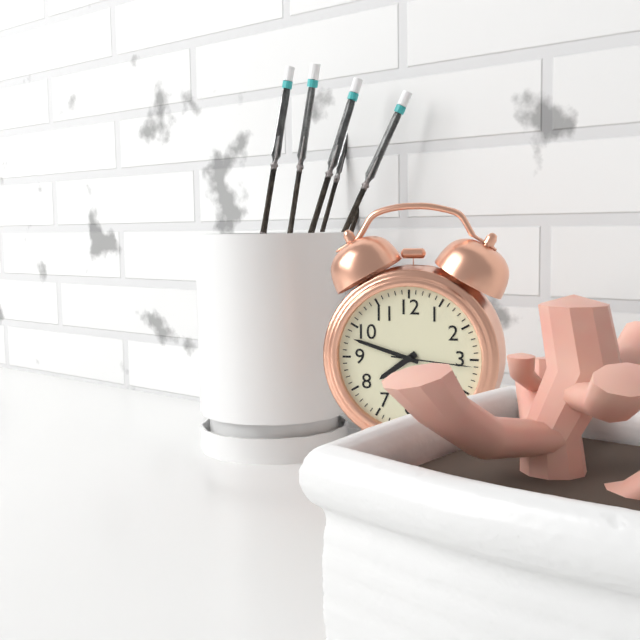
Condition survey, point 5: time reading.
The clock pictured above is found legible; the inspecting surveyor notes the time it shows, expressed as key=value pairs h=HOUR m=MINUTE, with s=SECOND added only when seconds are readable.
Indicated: h=7 m=48 s=16
